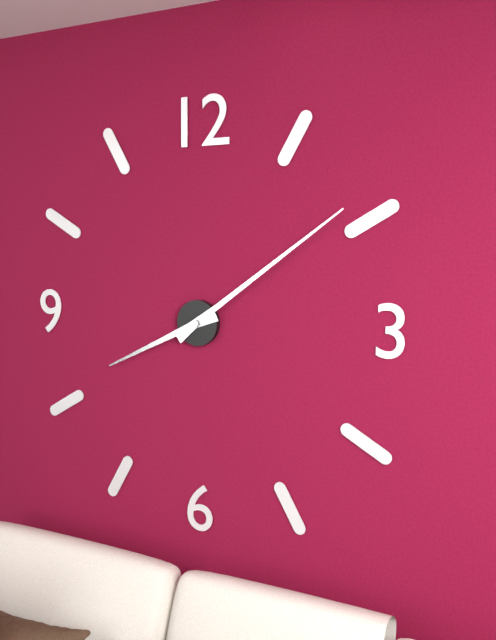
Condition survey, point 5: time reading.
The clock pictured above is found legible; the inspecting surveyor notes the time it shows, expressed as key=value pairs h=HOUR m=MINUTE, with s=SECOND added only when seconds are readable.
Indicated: h=8 m=9
